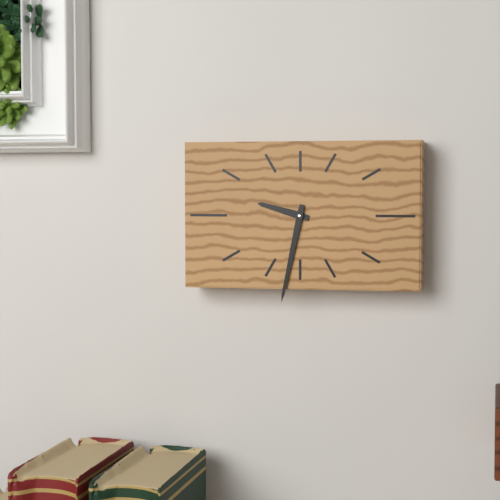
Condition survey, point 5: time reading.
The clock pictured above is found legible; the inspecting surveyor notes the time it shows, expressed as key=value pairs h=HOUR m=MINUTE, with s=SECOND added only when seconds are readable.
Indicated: h=9 m=32
